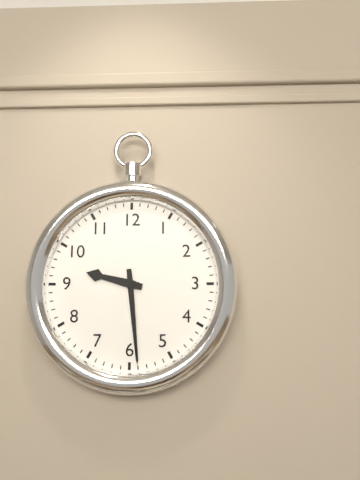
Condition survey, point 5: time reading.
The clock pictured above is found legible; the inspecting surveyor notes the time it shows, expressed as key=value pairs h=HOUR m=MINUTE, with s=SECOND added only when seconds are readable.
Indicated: h=9 m=29
